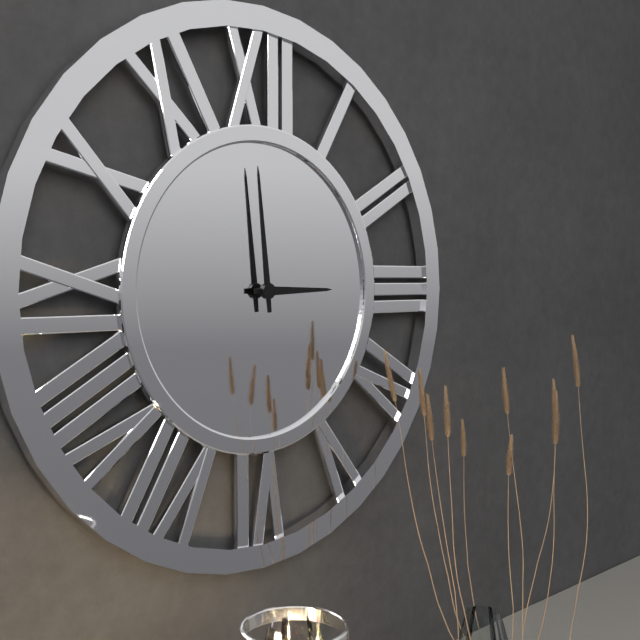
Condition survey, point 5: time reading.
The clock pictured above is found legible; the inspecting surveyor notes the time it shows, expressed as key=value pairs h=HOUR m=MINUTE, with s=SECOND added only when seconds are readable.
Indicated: h=2 m=59
